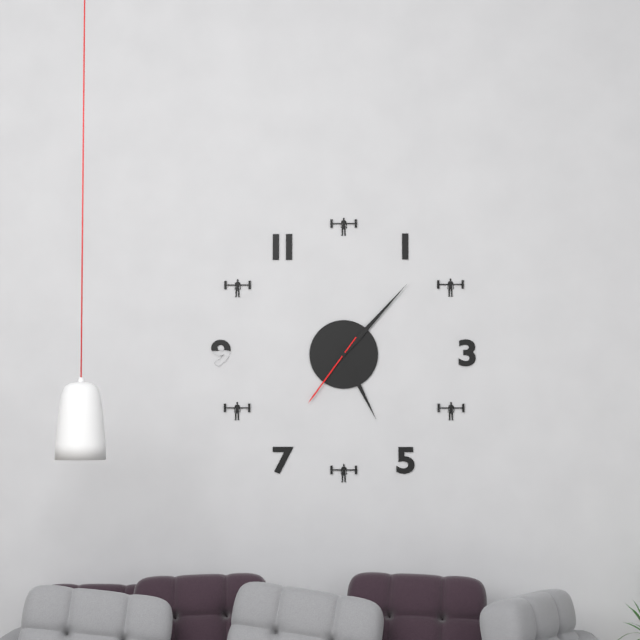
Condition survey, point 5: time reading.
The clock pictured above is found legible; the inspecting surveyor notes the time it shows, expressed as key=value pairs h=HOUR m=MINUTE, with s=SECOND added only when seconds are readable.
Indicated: h=5 m=7 s=36
